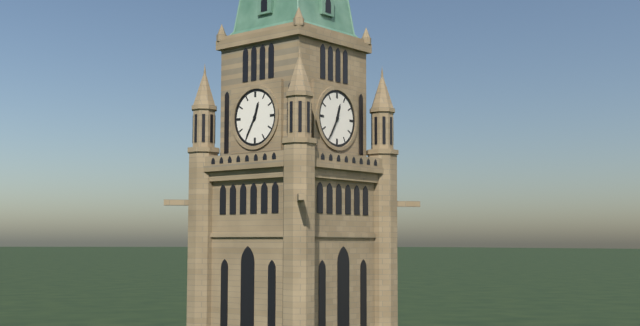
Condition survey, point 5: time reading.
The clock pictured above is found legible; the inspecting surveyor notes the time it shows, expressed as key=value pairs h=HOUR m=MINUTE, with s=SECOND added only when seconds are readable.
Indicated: h=12 m=35
